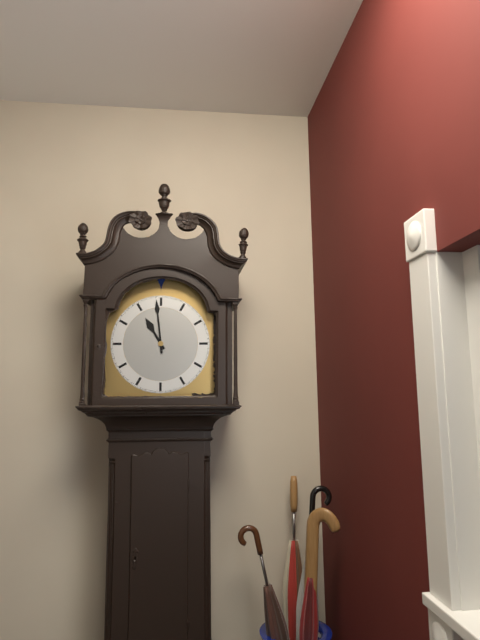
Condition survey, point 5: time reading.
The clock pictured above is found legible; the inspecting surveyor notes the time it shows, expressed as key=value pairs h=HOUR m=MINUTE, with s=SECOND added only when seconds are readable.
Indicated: h=10 m=59
